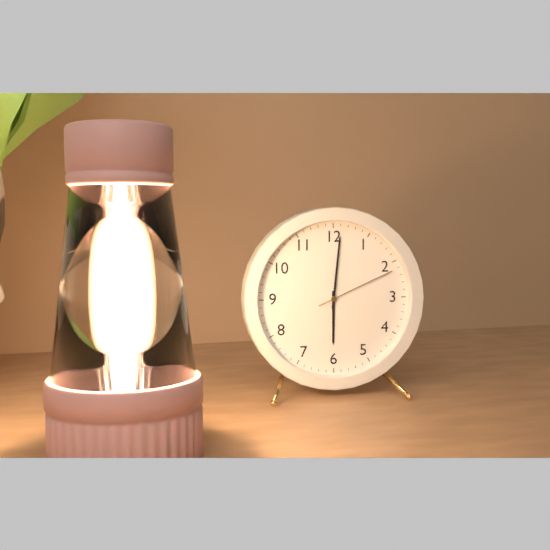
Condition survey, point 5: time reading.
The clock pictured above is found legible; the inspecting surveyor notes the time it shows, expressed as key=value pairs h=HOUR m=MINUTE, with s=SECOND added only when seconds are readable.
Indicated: h=6 m=1 s=11
